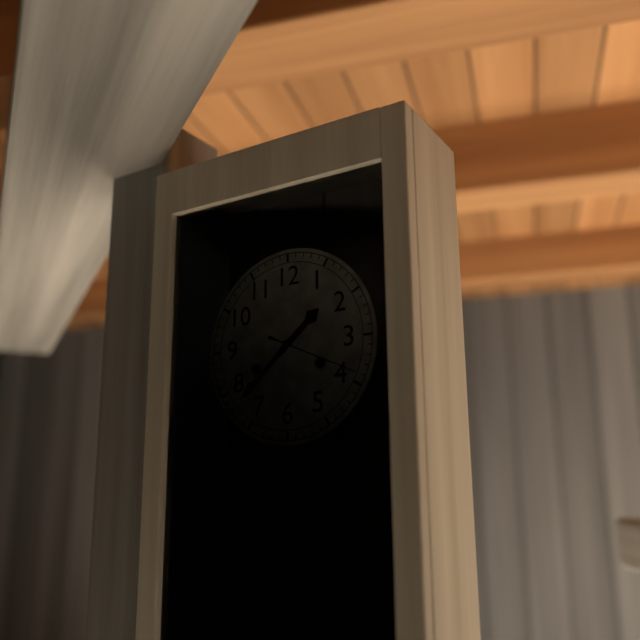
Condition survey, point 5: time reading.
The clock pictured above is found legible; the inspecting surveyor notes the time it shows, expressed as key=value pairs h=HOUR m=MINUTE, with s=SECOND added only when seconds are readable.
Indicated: h=1 m=38 s=19
